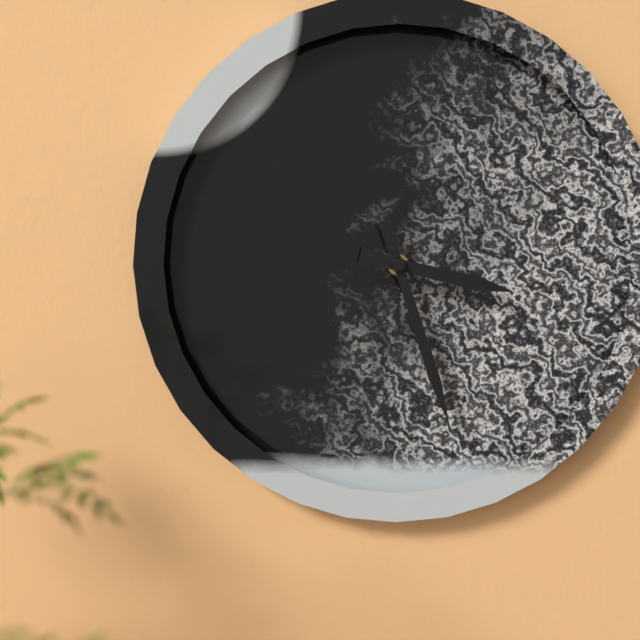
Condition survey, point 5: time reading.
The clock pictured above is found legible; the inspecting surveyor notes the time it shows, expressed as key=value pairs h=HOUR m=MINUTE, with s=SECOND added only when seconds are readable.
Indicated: h=3 m=27
